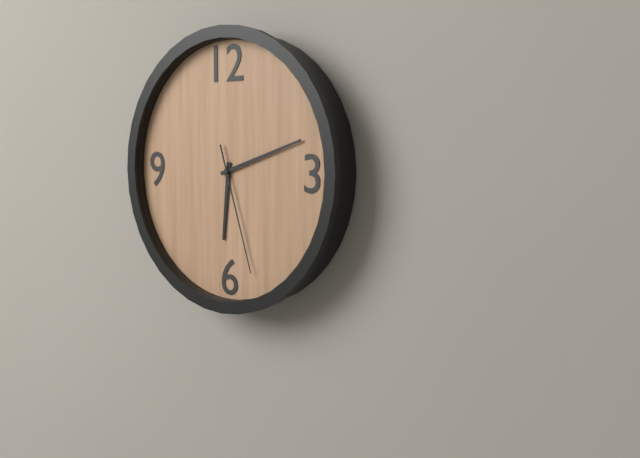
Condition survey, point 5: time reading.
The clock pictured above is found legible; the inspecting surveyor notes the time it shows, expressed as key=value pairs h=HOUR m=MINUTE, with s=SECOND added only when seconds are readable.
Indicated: h=6 m=12 s=27
